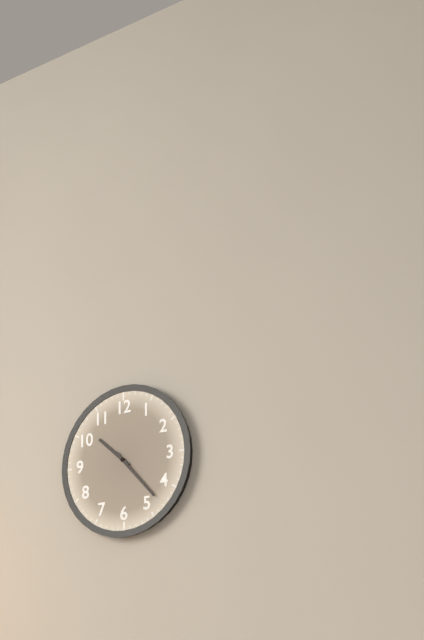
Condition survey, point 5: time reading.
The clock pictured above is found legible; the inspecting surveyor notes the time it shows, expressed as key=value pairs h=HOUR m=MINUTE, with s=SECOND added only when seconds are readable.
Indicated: h=10 m=23
